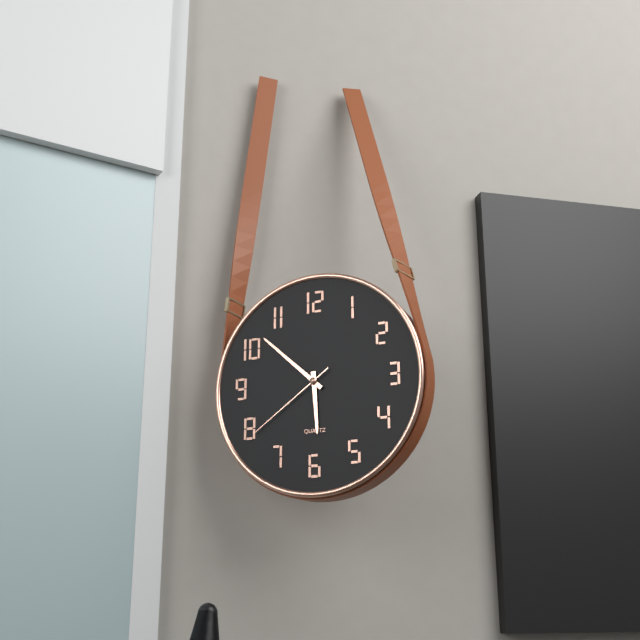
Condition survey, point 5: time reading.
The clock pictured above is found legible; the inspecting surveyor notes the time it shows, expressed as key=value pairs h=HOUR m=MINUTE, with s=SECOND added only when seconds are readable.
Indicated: h=5 m=52 s=39
